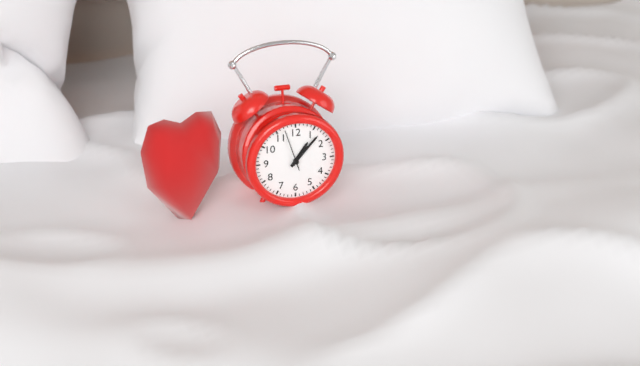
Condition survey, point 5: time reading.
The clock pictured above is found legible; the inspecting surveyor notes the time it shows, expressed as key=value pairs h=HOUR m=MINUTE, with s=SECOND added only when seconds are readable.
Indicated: h=1 m=7
